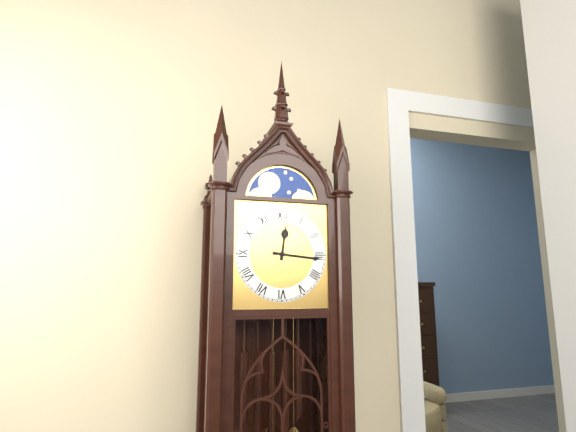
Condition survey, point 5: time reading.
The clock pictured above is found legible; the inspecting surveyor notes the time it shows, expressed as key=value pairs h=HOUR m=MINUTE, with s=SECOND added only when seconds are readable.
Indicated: h=12 m=16
